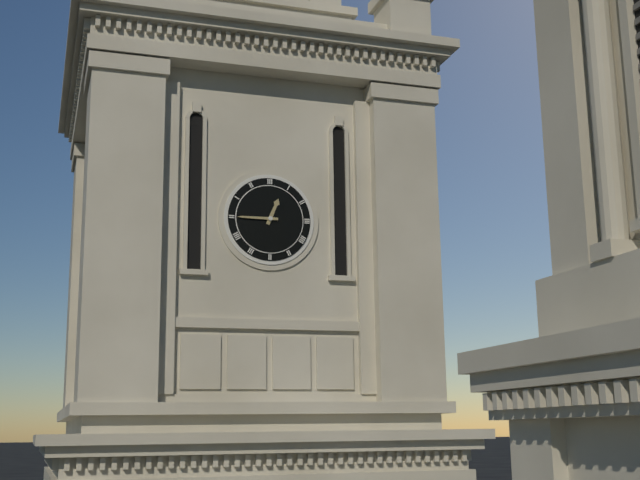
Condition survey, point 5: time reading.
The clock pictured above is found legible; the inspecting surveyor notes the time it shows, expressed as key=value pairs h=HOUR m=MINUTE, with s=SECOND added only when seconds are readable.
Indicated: h=12 m=45
